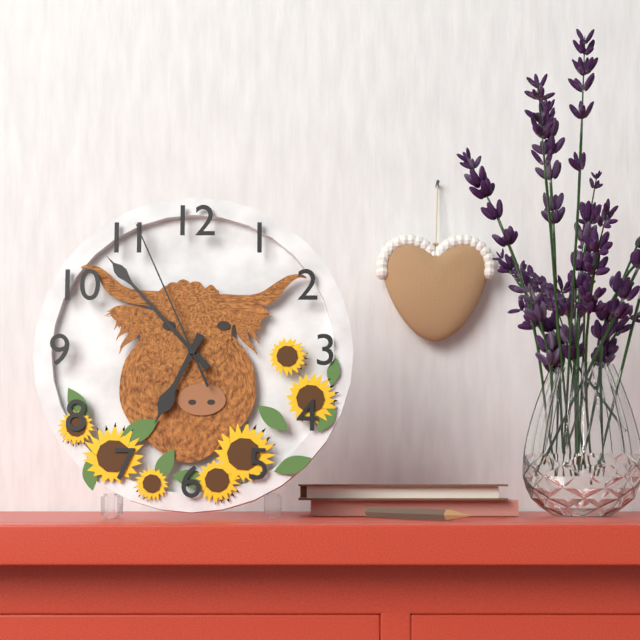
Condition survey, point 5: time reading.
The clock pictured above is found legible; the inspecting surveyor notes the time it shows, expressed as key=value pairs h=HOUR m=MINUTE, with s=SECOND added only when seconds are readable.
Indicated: h=6 m=53 s=56
